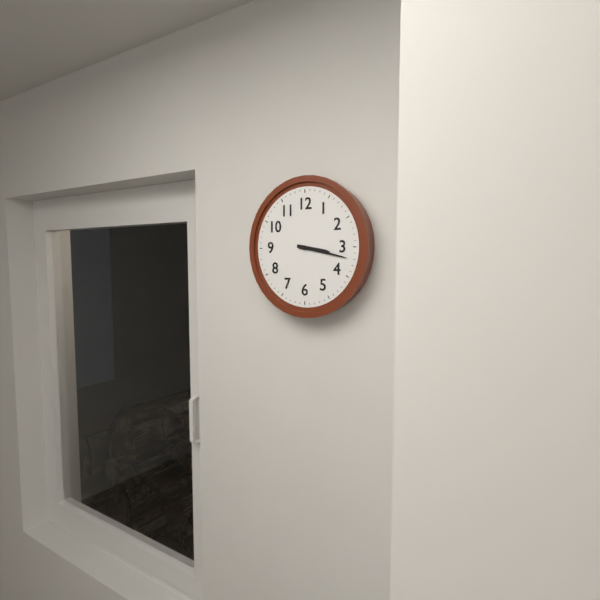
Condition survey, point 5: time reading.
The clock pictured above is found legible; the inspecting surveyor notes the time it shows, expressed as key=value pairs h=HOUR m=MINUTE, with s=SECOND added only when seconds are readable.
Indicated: h=3 m=17
